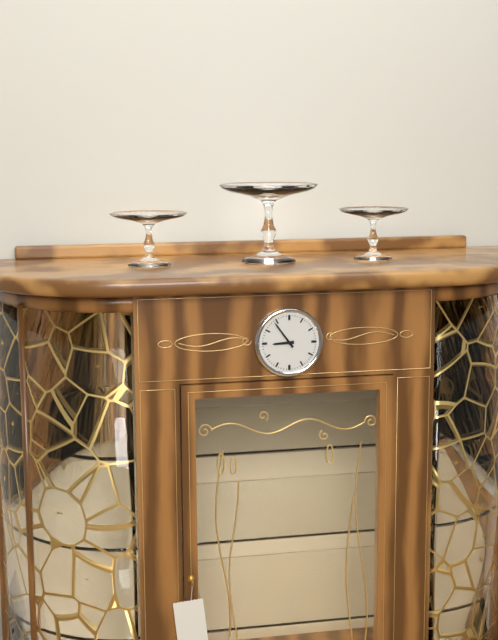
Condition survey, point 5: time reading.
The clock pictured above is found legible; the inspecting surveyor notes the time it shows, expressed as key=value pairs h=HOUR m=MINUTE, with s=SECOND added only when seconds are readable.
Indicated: h=8 m=54
